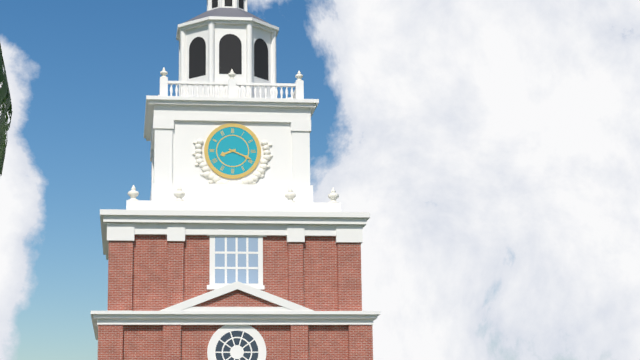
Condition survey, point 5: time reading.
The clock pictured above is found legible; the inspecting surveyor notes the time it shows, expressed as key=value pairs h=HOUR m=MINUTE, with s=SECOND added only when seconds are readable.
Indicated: h=8 m=19
